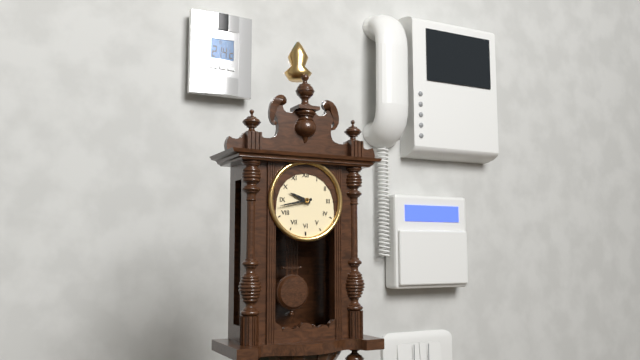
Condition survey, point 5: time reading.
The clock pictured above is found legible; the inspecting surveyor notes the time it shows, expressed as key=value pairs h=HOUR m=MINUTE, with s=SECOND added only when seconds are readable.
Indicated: h=9 m=43
